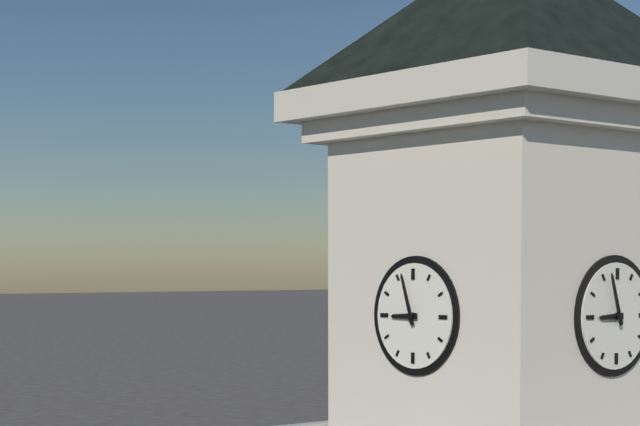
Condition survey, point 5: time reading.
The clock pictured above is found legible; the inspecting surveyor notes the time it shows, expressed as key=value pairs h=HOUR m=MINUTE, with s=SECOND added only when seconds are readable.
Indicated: h=8 m=57
